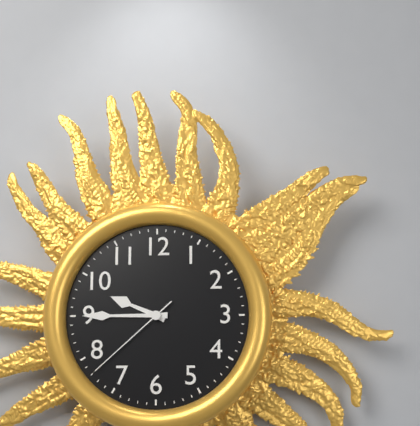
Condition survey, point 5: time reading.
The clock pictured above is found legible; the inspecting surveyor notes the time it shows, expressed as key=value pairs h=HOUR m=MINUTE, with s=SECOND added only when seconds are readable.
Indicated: h=9 m=45 s=38
